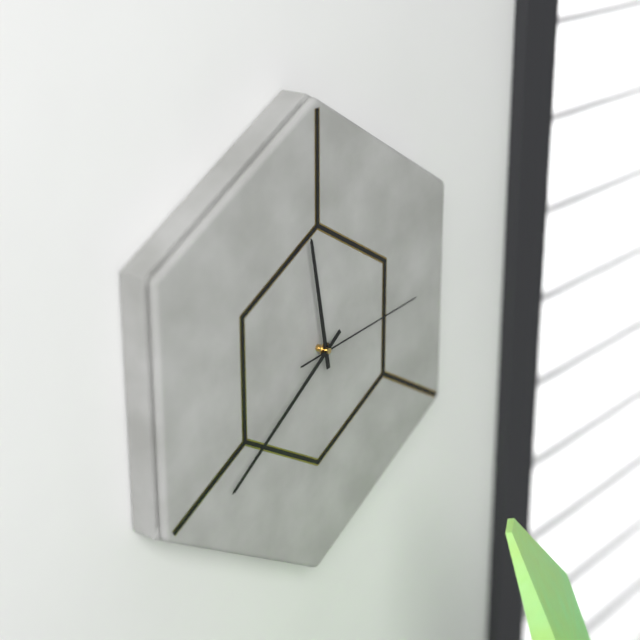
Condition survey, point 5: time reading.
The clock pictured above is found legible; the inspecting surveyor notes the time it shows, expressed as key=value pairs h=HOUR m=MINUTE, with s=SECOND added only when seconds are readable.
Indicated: h=11 m=39 s=14
